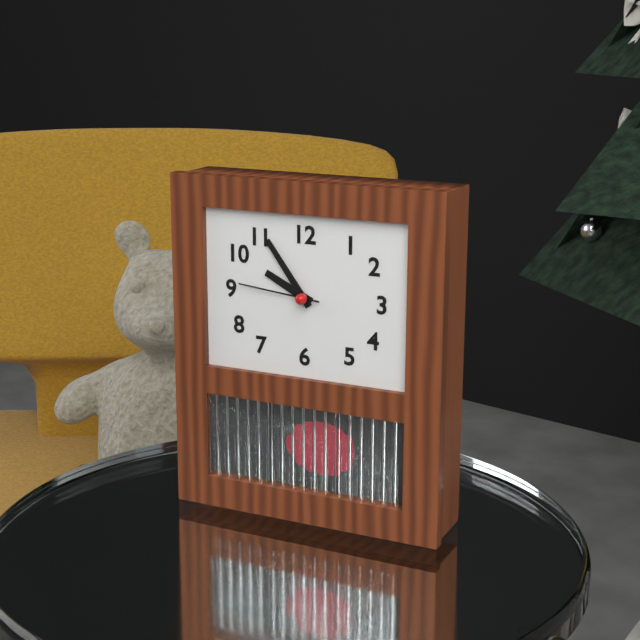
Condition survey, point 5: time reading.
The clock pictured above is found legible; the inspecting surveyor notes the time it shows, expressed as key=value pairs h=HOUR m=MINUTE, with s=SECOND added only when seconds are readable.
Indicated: h=9 m=54 s=46
